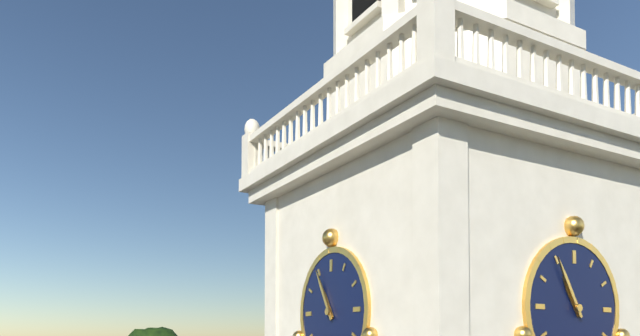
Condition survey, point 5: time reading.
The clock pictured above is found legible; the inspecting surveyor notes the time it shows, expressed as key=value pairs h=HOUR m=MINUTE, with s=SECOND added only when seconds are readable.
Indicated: h=10 m=55
